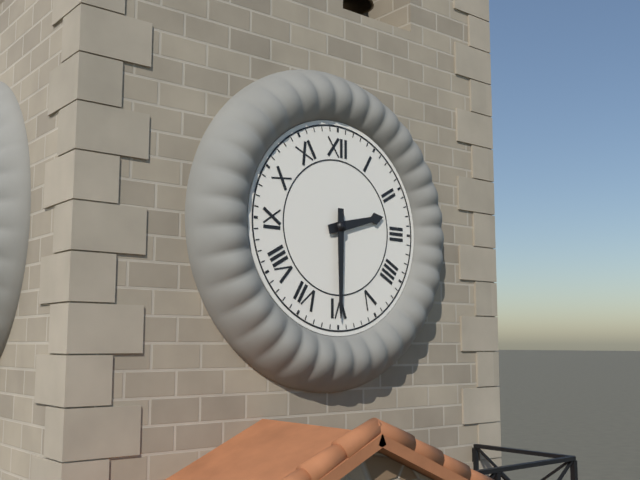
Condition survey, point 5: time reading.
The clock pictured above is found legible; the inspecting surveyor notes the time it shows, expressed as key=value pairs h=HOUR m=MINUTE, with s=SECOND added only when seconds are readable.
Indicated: h=2 m=30
